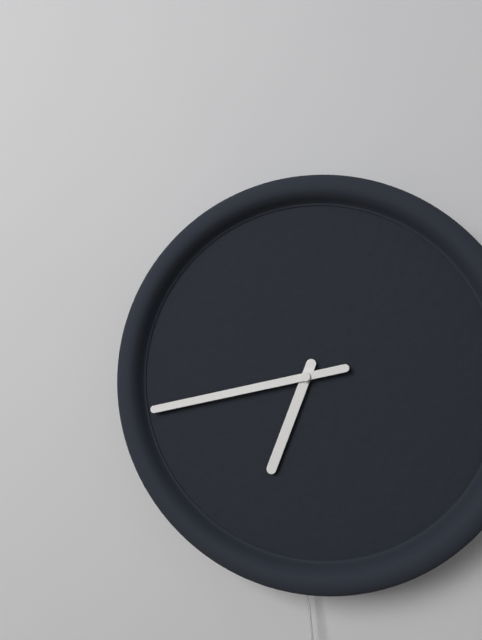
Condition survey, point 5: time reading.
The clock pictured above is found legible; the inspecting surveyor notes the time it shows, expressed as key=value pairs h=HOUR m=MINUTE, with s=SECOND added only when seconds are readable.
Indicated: h=6 m=43
